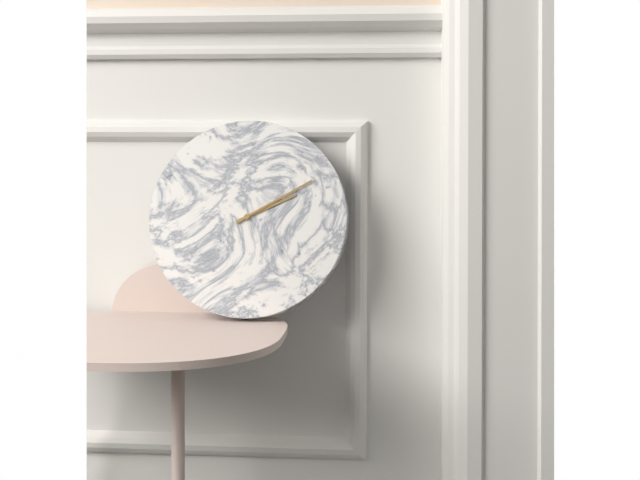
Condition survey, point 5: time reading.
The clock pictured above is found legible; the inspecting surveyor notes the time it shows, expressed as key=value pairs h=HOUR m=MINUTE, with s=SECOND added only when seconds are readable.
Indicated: h=2 m=10
